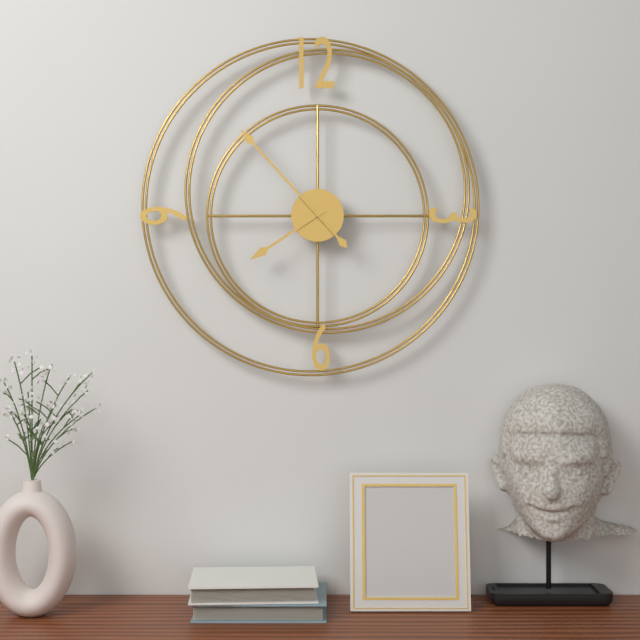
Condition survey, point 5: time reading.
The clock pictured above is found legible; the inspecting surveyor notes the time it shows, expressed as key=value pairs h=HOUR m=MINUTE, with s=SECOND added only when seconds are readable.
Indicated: h=7 m=53
